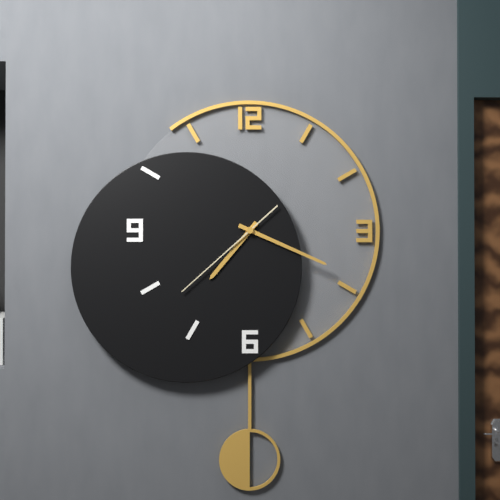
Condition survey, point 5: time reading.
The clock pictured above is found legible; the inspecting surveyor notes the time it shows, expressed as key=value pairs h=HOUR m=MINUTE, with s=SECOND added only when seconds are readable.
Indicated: h=7 m=19 s=38
